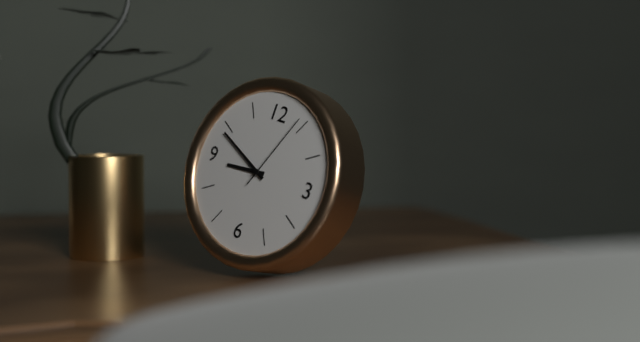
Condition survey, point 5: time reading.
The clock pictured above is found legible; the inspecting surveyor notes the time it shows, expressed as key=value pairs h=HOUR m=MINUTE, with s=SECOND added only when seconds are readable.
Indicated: h=8 m=49 s=4
